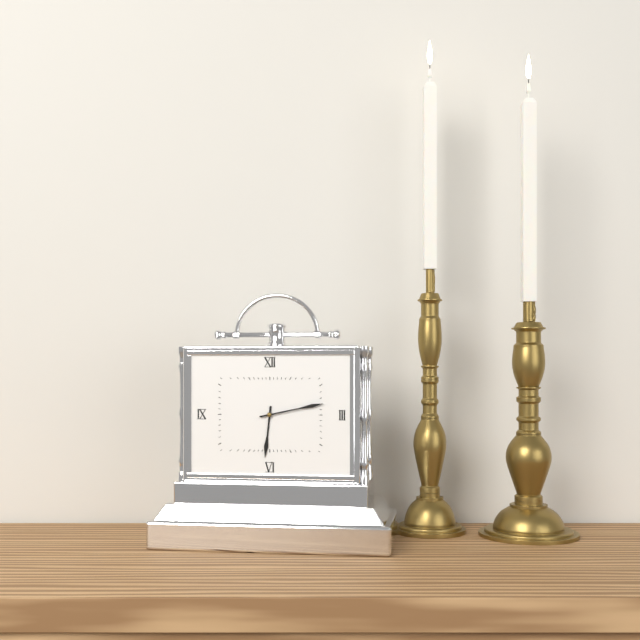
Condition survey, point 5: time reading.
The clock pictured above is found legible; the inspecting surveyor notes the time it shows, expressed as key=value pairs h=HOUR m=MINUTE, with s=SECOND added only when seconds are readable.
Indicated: h=6 m=13
